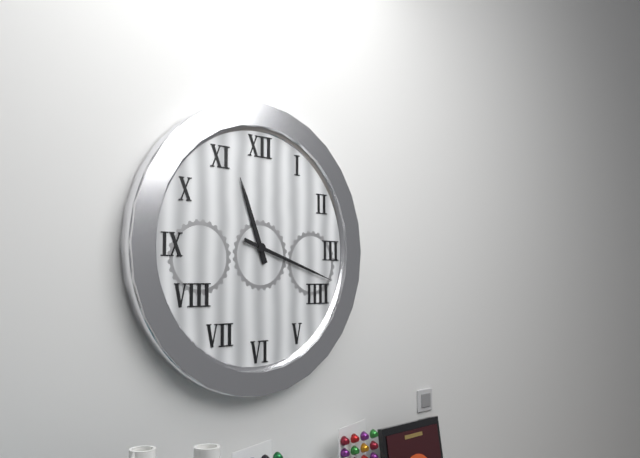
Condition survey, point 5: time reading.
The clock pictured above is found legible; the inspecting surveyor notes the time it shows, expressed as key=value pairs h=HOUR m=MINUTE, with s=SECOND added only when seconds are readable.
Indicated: h=11 m=18
